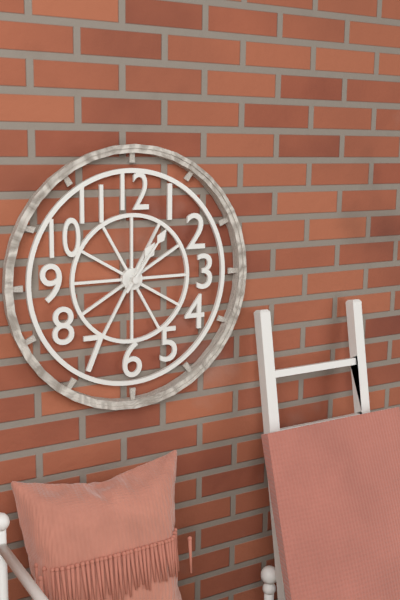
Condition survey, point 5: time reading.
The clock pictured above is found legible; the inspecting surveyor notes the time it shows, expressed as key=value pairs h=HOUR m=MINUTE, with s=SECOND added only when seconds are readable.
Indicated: h=1 m=6
